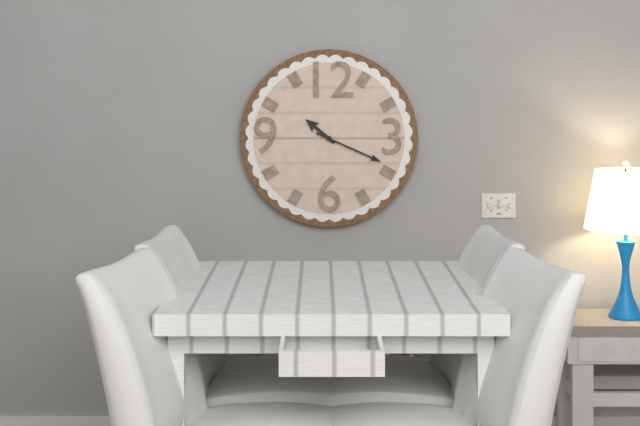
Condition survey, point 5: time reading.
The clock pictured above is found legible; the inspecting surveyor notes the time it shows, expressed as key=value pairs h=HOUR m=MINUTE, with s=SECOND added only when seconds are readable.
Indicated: h=10 m=19
